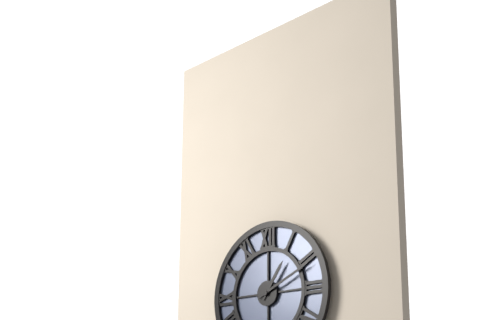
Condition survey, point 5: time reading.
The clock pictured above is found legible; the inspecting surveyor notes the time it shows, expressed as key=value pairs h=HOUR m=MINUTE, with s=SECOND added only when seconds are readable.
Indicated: h=1 m=11
